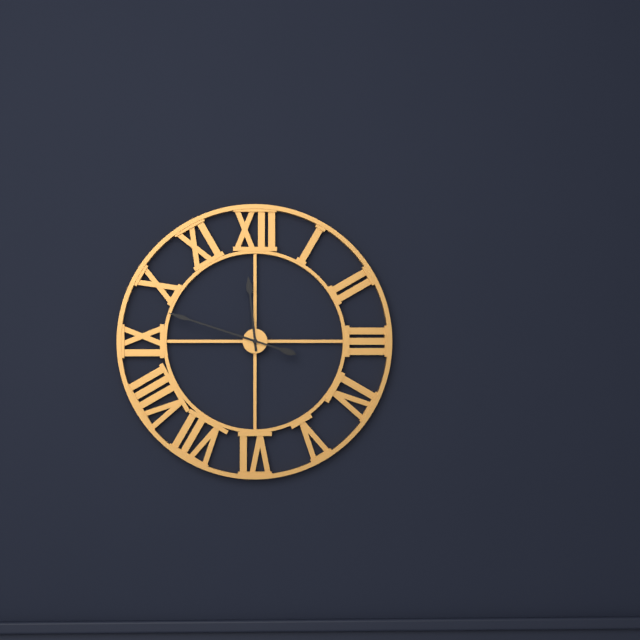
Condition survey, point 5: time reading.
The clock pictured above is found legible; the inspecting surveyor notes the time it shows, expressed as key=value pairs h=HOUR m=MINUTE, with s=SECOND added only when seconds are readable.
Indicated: h=11 m=48
